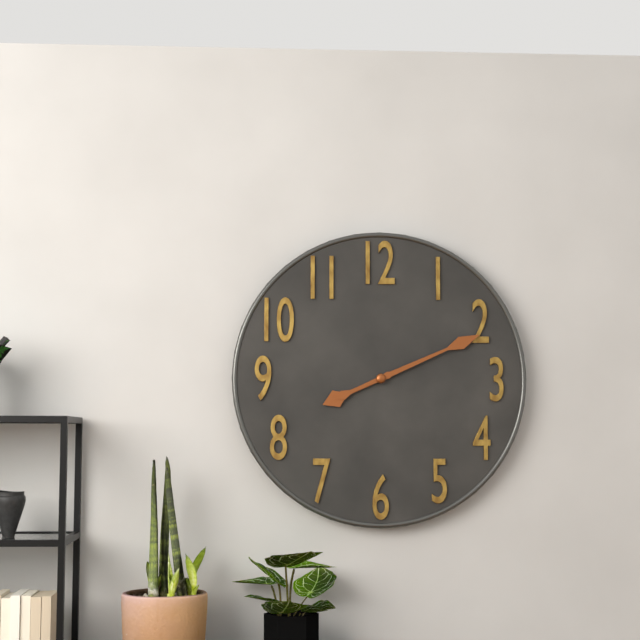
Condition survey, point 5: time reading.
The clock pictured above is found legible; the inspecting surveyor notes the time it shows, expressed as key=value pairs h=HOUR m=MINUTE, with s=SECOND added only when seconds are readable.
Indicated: h=8 m=11
